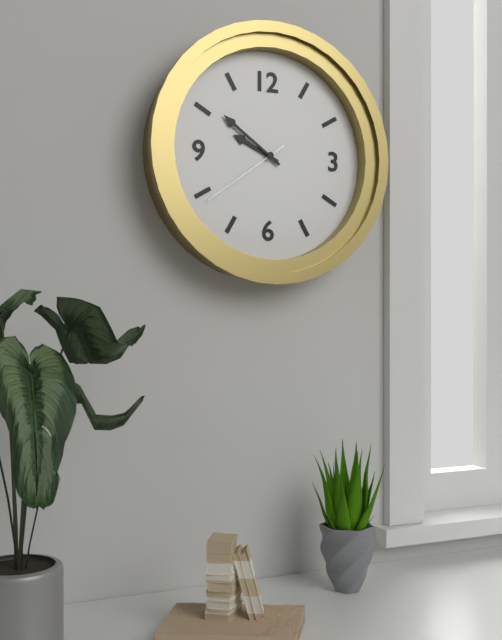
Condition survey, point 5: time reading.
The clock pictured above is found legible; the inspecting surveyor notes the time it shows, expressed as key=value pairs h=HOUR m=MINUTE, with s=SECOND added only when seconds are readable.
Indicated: h=9 m=51 s=39
